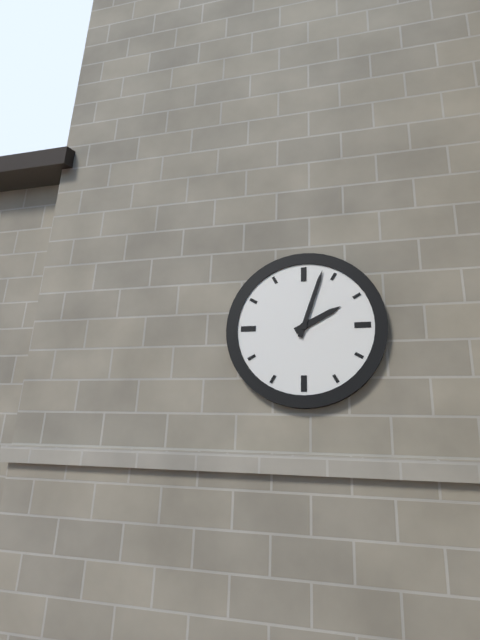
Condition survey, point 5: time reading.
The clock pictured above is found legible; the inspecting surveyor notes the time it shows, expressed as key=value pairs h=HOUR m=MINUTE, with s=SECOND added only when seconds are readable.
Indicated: h=2 m=3
